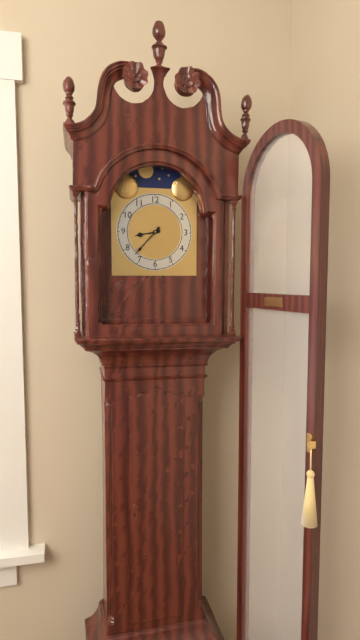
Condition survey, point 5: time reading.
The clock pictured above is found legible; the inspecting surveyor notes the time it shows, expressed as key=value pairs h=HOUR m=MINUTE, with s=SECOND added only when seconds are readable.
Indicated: h=8 m=37
